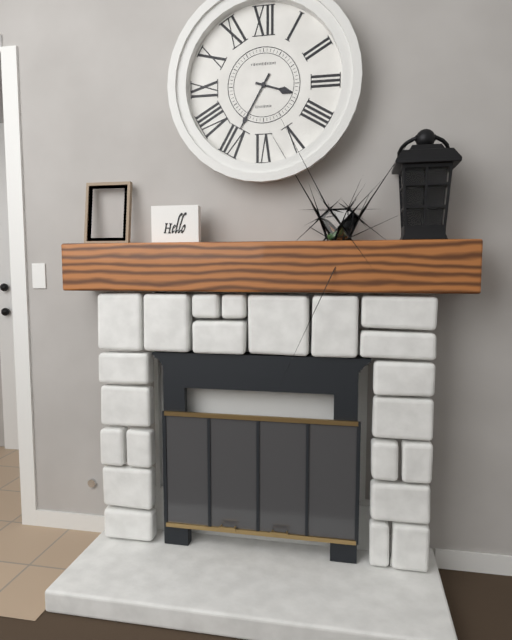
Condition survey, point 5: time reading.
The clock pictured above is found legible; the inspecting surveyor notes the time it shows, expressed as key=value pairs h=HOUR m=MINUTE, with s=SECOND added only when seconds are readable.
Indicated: h=3 m=35
